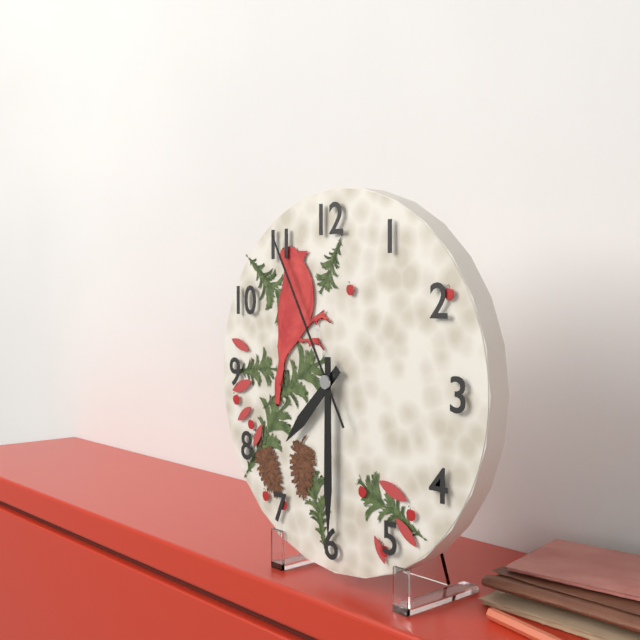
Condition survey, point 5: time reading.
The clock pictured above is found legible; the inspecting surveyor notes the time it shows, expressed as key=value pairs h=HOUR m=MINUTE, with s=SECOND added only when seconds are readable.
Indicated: h=7 m=30 s=55
